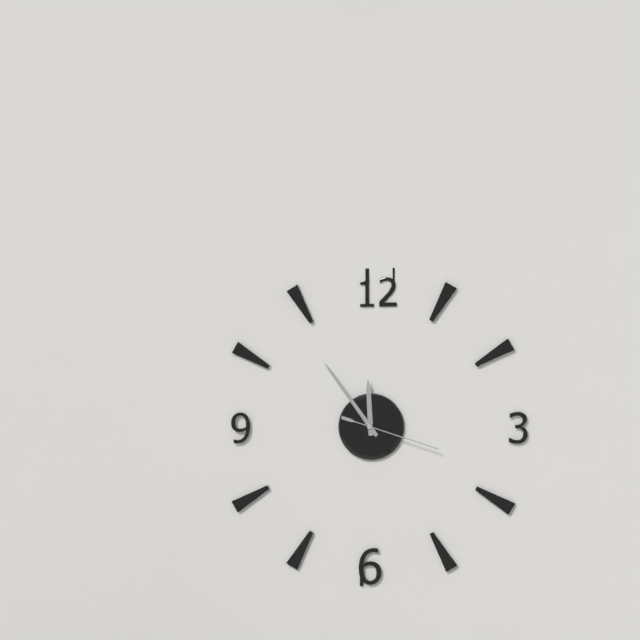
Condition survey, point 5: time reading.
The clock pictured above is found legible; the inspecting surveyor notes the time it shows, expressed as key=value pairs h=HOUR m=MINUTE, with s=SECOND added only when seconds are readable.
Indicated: h=11 m=54 s=18
